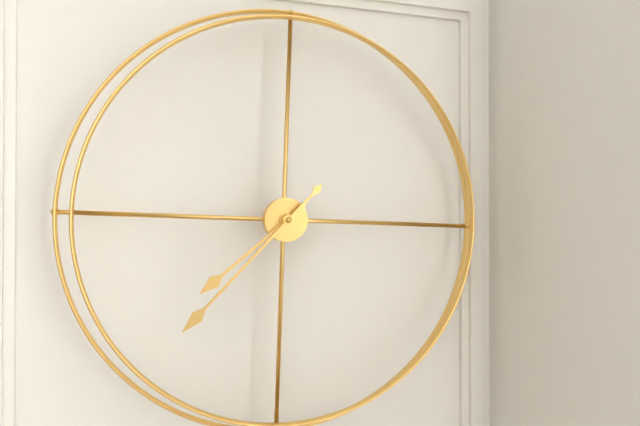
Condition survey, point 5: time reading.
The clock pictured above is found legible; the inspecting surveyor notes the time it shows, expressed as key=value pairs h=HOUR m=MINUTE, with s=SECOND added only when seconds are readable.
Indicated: h=7 m=37
